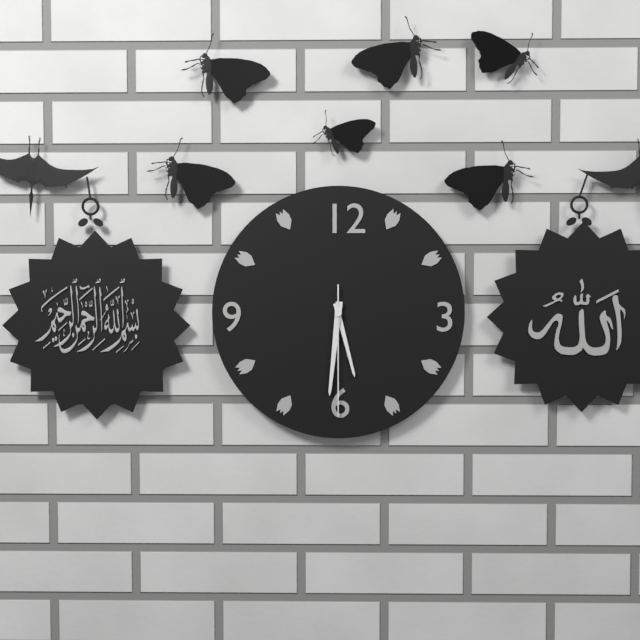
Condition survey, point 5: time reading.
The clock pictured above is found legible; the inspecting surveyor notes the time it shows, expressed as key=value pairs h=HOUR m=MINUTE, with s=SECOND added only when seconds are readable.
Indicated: h=5 m=31 s=30
